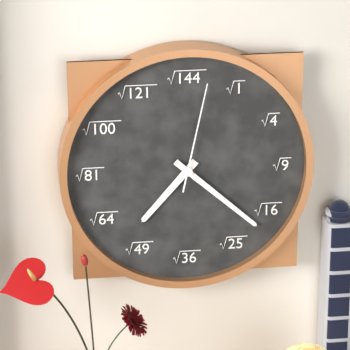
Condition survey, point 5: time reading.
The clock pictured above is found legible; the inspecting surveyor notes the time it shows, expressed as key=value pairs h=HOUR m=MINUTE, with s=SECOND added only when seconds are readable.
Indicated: h=7 m=22 s=2
